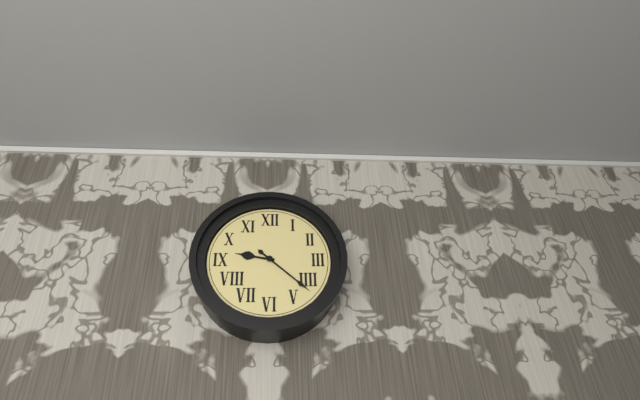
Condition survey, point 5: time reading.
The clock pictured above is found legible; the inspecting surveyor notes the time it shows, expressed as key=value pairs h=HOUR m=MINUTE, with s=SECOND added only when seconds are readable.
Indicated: h=9 m=22
